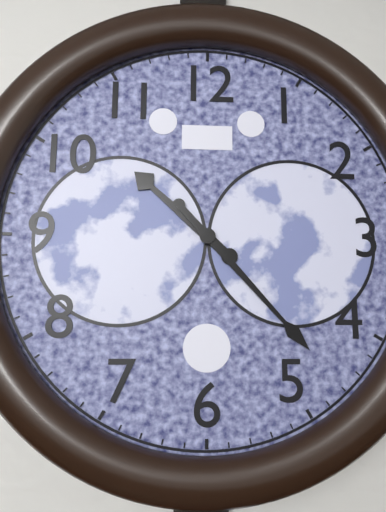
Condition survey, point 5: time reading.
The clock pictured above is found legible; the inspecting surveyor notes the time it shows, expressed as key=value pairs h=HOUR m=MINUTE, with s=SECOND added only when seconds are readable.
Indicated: h=10 m=23
